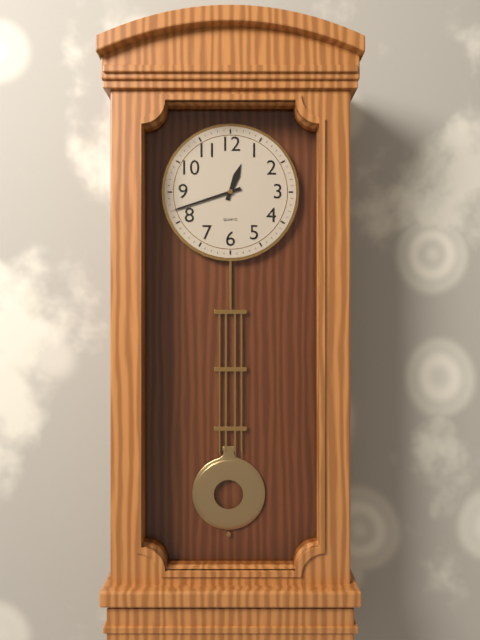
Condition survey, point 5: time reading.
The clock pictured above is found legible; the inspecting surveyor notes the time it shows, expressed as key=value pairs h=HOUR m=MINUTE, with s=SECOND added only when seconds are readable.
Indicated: h=12 m=42
